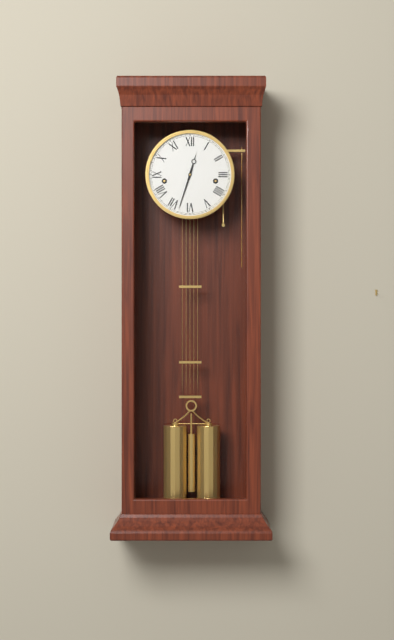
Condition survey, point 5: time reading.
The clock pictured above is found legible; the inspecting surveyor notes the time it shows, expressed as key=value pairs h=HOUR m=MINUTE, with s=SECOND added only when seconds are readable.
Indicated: h=12 m=33
